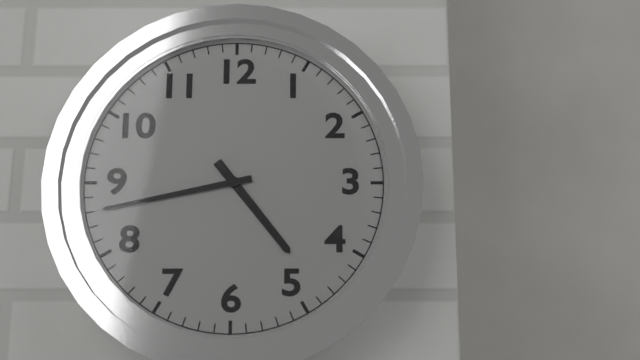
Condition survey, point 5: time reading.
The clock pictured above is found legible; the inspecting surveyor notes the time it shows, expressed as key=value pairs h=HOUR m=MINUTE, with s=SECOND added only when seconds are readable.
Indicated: h=4 m=43
